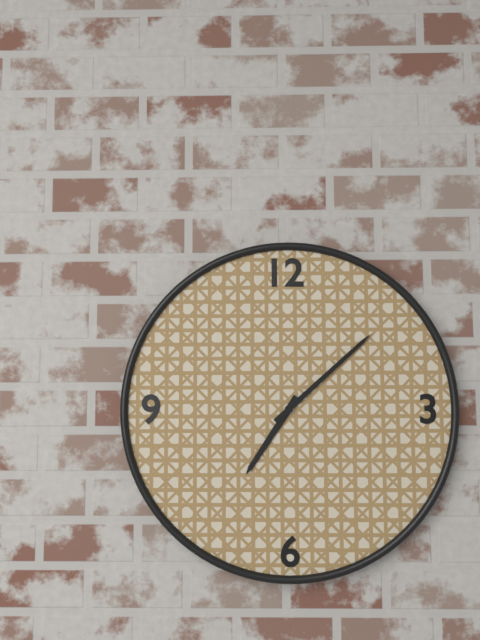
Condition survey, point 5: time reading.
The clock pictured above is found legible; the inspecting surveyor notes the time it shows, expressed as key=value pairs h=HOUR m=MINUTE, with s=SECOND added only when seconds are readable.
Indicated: h=7 m=8
